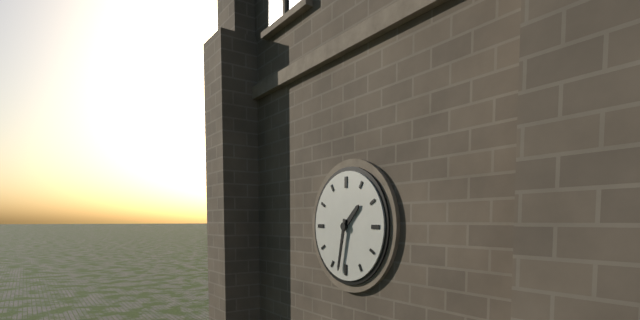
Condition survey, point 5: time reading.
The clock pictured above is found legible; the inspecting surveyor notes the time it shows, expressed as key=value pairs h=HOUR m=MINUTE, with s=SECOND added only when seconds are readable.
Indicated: h=1 m=32
